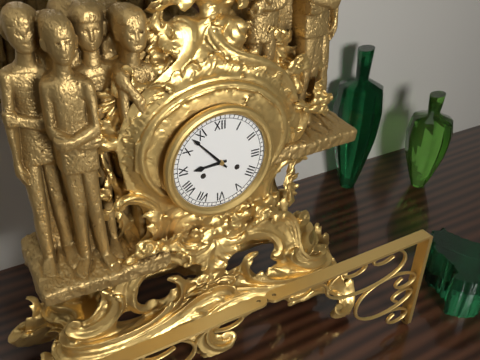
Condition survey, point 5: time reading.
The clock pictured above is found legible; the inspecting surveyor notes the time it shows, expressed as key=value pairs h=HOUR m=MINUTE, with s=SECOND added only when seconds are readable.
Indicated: h=8 m=53
